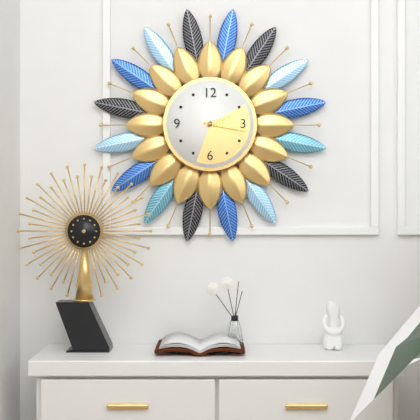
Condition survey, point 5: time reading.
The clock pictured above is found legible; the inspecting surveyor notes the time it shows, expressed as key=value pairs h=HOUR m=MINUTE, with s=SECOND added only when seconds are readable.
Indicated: h=2 m=17
